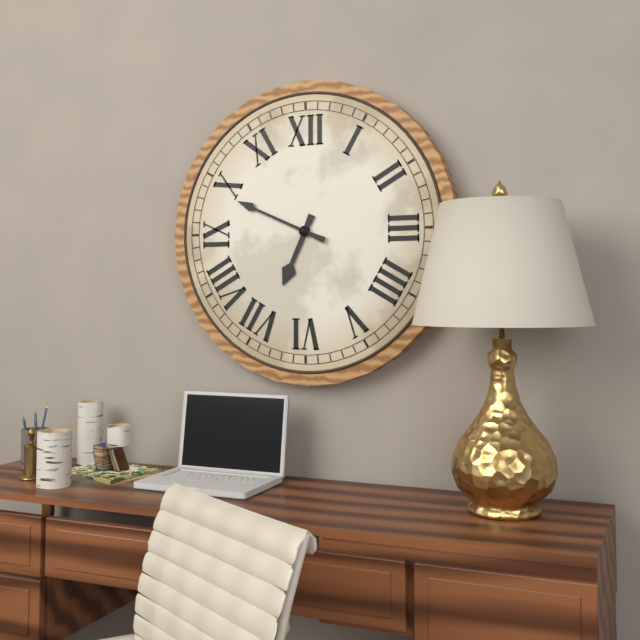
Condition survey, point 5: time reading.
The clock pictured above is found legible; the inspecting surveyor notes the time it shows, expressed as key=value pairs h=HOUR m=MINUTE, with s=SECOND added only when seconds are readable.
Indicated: h=6 m=49
